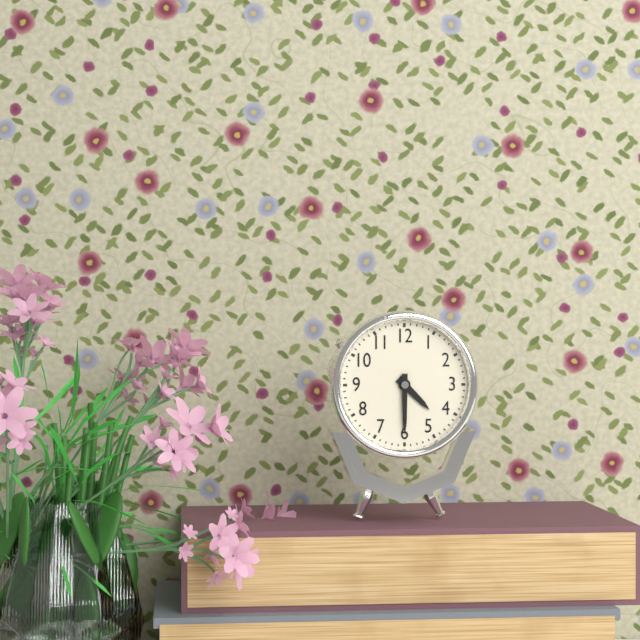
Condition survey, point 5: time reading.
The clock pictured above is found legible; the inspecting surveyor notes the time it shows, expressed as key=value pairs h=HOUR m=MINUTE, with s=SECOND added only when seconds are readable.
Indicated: h=4 m=30
